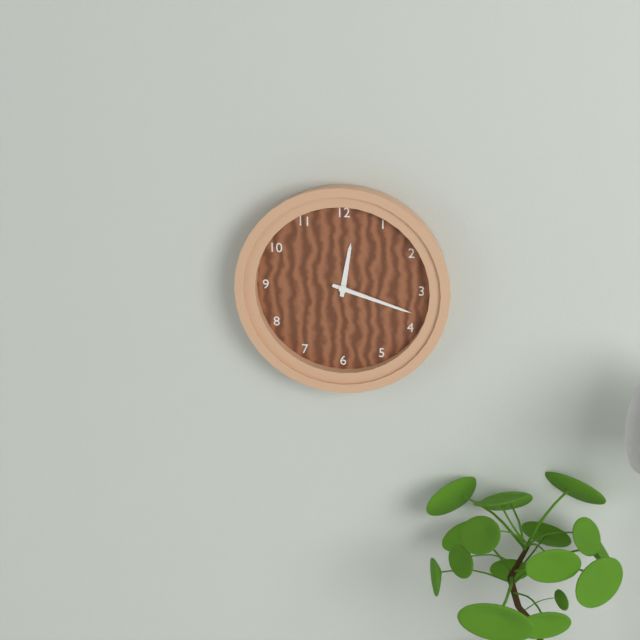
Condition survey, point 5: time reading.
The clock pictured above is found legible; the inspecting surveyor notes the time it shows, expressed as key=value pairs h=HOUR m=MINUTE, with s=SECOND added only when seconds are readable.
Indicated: h=12 m=18
